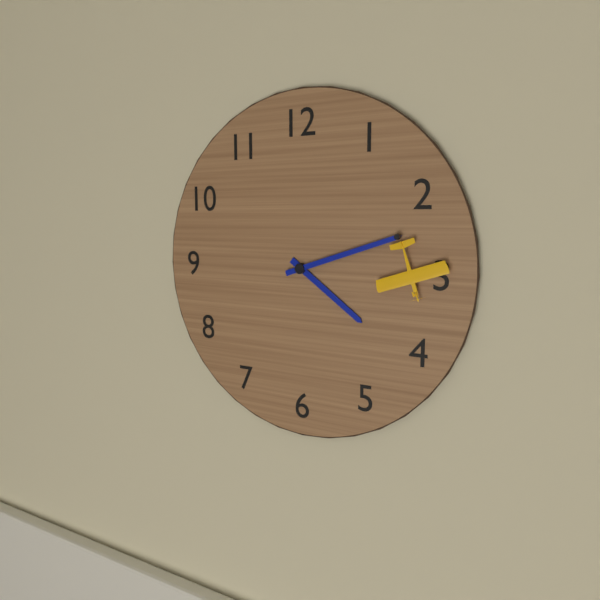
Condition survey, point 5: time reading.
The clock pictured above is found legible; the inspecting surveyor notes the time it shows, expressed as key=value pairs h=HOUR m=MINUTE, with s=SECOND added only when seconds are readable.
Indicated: h=4 m=12
